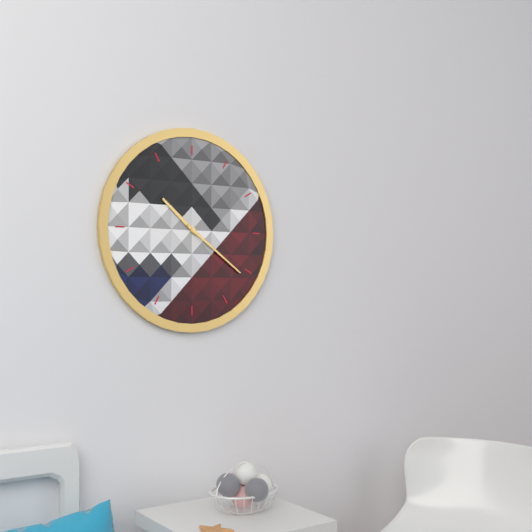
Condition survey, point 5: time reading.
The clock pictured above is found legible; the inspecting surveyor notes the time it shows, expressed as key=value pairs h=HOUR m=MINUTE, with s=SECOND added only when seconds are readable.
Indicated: h=10 m=21
